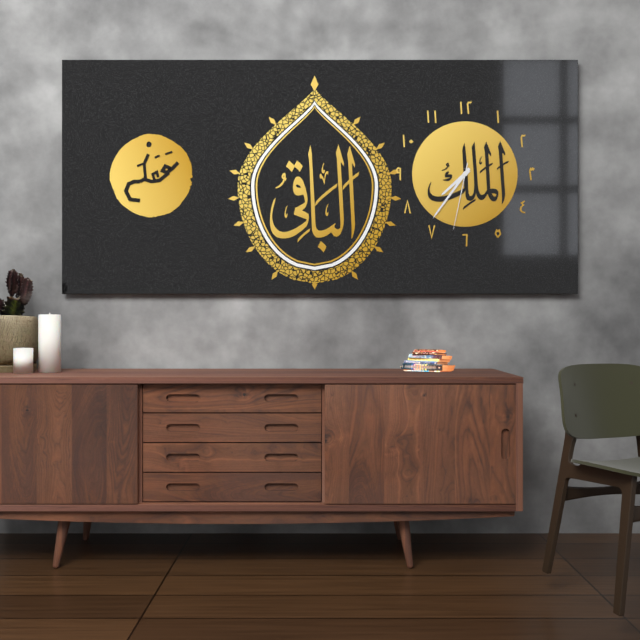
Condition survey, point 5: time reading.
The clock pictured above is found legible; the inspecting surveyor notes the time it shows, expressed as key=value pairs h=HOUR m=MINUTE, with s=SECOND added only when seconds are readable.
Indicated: h=7 m=36 s=32
